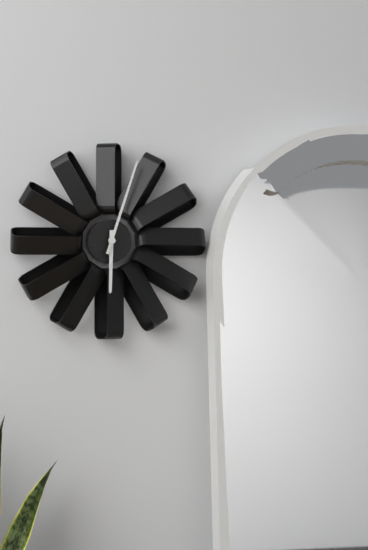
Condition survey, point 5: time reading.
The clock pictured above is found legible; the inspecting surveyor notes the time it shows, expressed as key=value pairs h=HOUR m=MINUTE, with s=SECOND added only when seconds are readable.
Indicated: h=6 m=3
